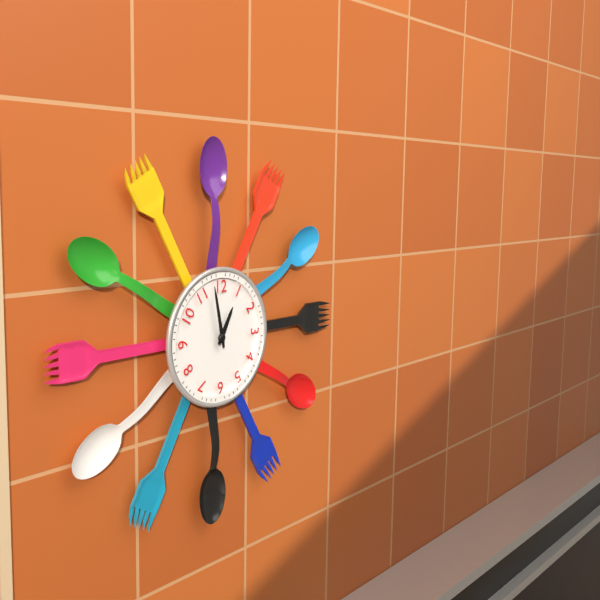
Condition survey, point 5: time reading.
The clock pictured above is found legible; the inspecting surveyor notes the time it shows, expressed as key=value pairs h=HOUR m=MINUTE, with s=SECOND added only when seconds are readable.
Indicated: h=12 m=58
